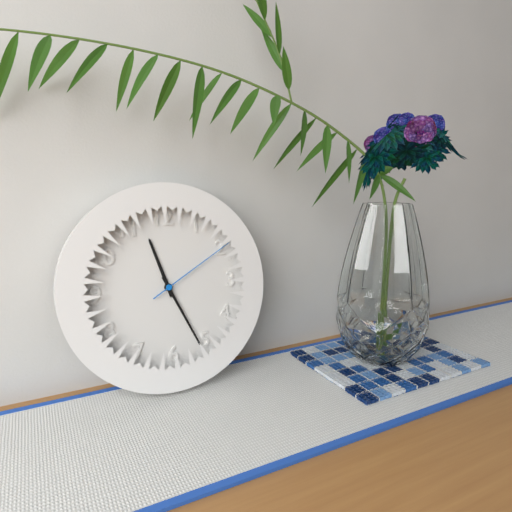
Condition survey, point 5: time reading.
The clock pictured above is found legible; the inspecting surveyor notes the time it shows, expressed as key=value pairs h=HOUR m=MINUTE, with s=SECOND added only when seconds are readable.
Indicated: h=11 m=26 s=10
